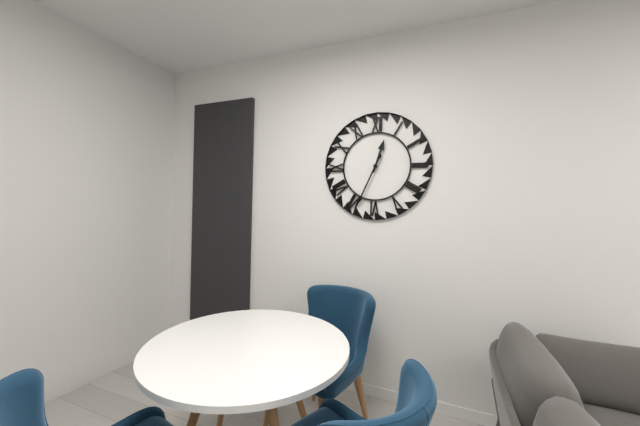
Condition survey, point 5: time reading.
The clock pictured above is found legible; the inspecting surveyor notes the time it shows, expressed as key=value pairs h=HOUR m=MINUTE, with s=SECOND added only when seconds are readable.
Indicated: h=12 m=34
